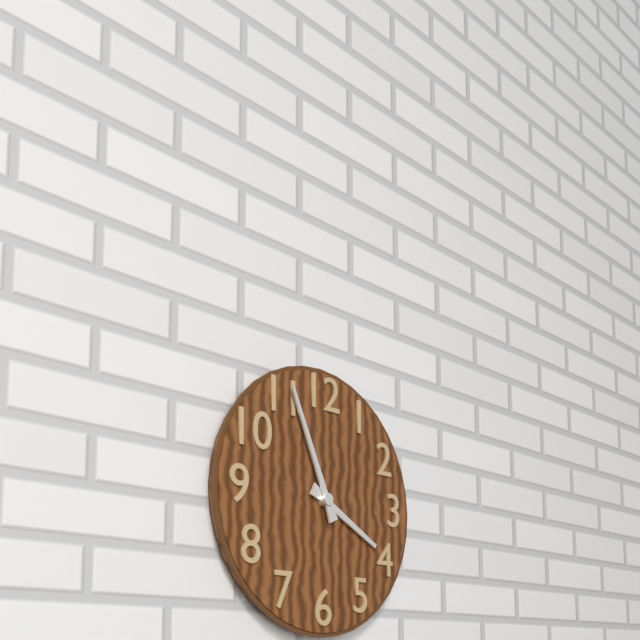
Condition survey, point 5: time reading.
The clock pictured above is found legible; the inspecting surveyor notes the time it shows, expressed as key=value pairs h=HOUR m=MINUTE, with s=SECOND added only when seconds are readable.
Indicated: h=3 m=56
